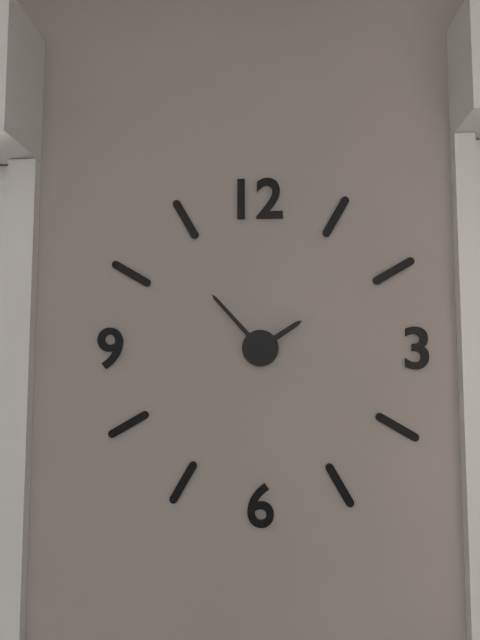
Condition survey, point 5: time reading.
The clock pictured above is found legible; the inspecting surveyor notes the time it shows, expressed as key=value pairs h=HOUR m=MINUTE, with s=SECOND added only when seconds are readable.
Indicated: h=1 m=53
